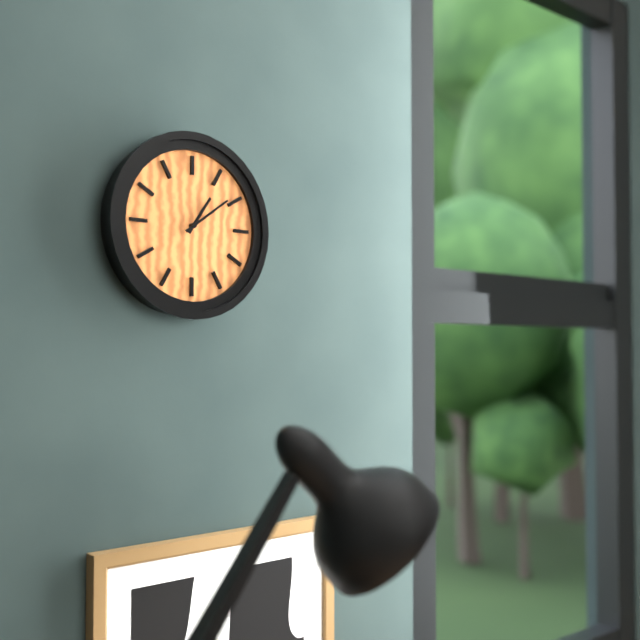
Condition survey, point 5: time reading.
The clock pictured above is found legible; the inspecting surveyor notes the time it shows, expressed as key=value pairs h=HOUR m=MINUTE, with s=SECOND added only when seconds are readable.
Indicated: h=1 m=9
